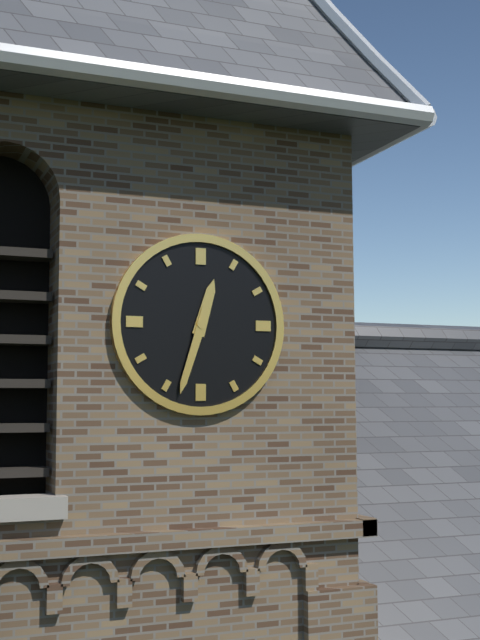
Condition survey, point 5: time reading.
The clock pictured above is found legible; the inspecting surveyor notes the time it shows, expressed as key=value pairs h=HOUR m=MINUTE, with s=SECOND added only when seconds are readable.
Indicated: h=12 m=33
